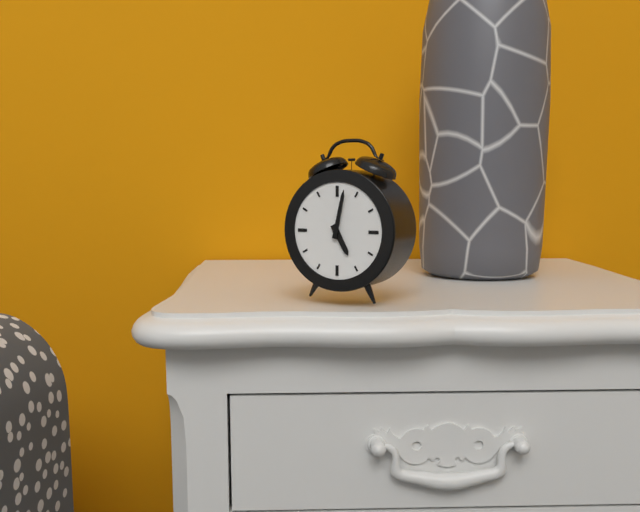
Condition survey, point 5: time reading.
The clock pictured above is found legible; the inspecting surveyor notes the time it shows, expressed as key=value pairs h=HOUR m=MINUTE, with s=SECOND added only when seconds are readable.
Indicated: h=5 m=2
